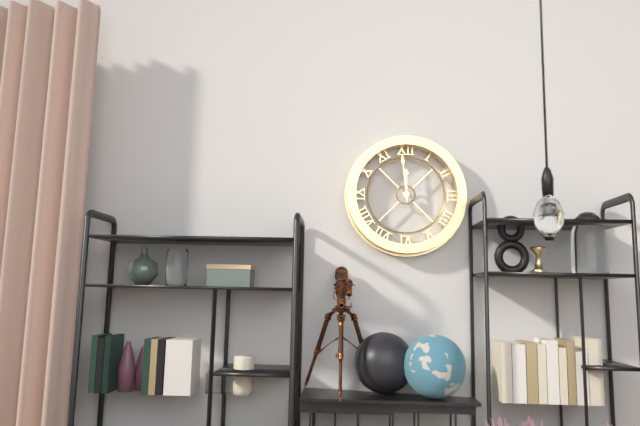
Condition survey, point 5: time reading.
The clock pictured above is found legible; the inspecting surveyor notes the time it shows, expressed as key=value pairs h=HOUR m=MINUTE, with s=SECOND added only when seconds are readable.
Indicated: h=11 m=59
